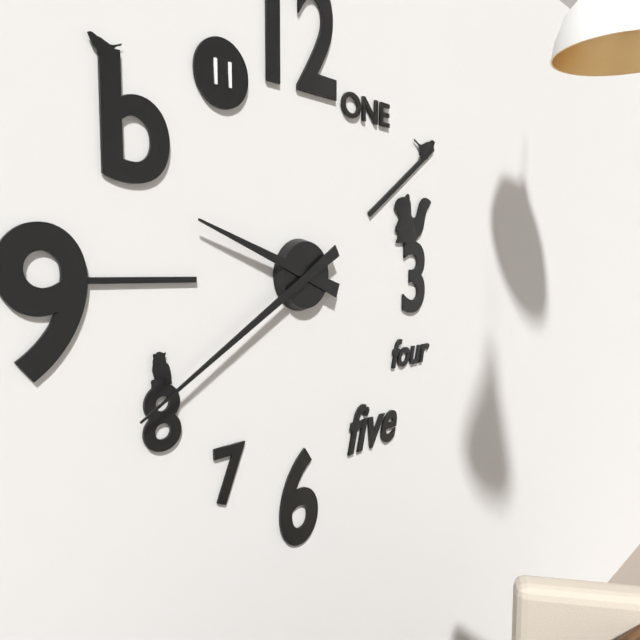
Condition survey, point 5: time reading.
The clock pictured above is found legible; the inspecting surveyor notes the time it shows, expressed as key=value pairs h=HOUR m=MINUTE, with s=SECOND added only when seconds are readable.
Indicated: h=9 m=40
